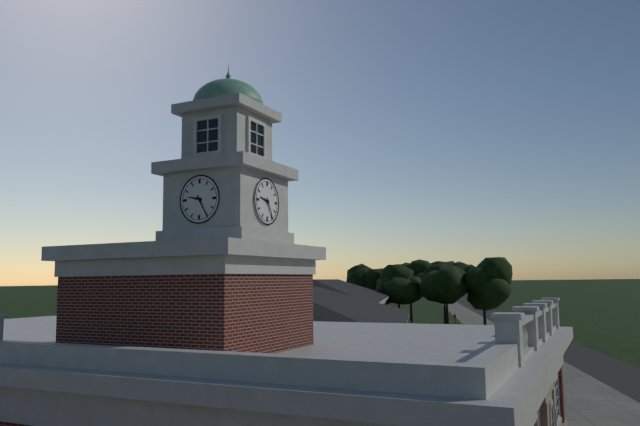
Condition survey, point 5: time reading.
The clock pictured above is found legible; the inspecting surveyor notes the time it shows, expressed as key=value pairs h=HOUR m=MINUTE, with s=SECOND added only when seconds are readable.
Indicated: h=9 m=25
